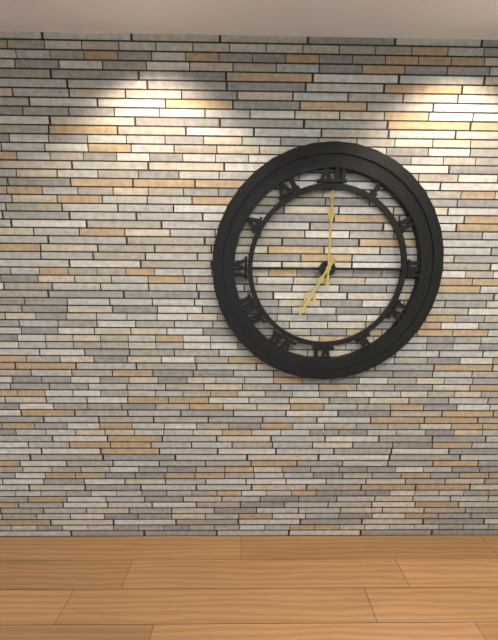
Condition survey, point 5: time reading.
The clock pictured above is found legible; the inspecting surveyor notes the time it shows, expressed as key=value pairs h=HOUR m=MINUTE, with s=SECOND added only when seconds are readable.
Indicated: h=7 m=0
